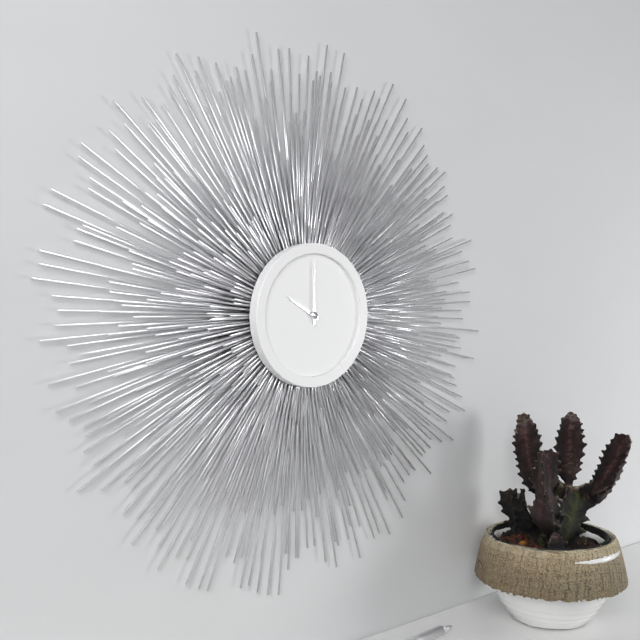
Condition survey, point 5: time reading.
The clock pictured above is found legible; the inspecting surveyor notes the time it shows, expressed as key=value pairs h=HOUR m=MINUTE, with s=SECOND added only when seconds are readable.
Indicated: h=10 m=0
